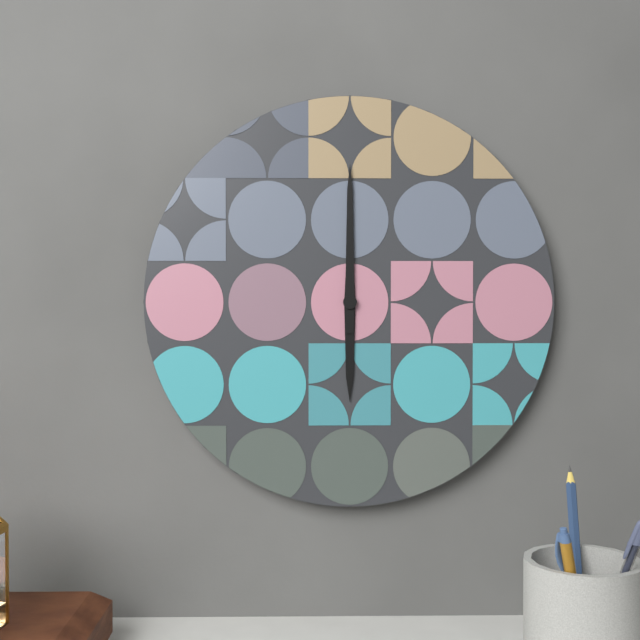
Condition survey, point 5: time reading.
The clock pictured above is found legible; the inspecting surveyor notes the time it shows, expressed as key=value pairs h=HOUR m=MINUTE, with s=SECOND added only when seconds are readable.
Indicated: h=6 m=0
